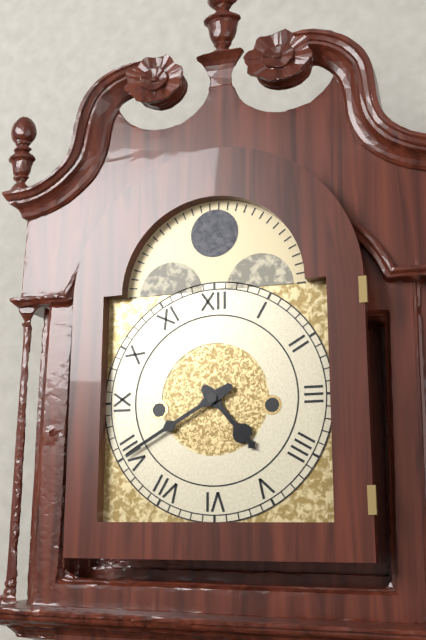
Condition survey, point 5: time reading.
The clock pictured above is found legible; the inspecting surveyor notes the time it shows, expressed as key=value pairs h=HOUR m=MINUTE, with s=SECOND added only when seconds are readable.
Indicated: h=4 m=40
